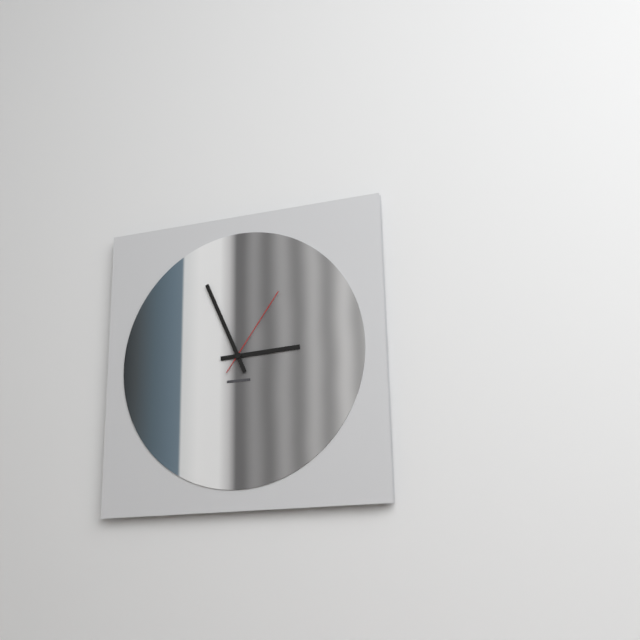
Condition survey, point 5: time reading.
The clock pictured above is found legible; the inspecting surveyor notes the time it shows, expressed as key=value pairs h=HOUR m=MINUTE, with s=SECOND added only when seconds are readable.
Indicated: h=2 m=56 s=6
